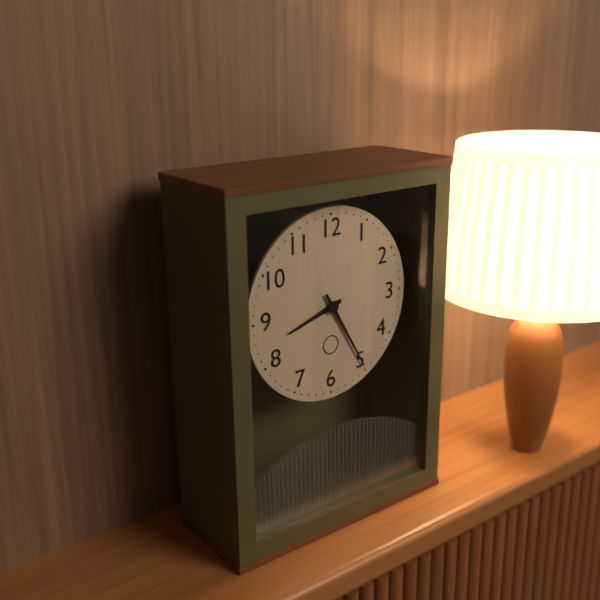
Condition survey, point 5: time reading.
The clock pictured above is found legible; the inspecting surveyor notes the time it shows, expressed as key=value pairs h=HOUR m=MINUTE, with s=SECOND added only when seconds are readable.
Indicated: h=8 m=25
